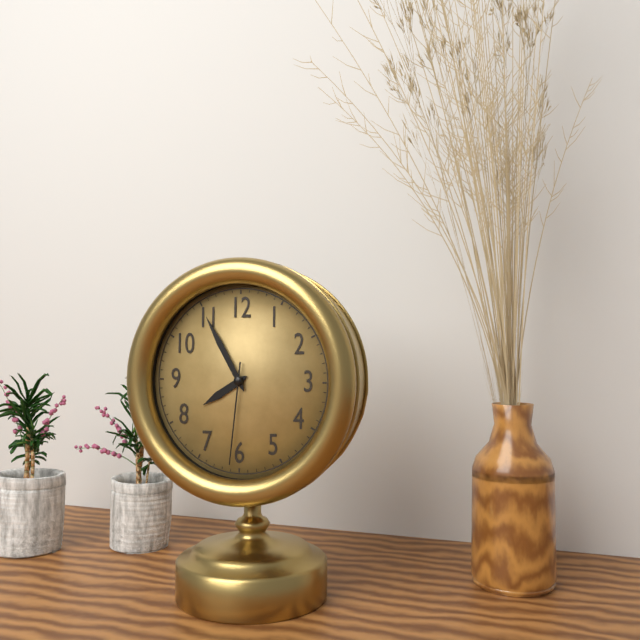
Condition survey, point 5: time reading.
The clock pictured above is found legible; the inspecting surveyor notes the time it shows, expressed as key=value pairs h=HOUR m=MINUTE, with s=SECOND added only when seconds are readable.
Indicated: h=7 m=55 s=31
